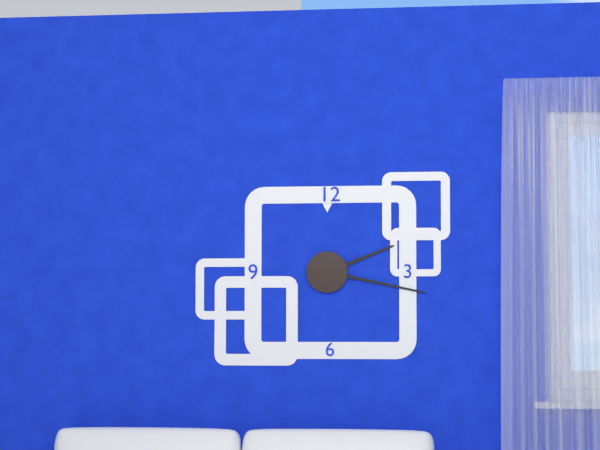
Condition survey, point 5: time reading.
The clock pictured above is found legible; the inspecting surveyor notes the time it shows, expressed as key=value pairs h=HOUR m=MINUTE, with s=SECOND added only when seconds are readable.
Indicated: h=2 m=17
